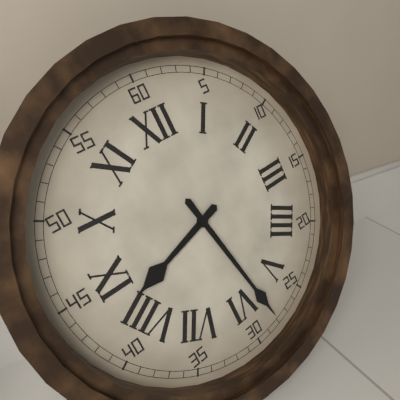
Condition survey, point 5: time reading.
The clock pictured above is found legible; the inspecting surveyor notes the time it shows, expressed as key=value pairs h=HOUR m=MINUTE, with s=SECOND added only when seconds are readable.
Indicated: h=8 m=28
